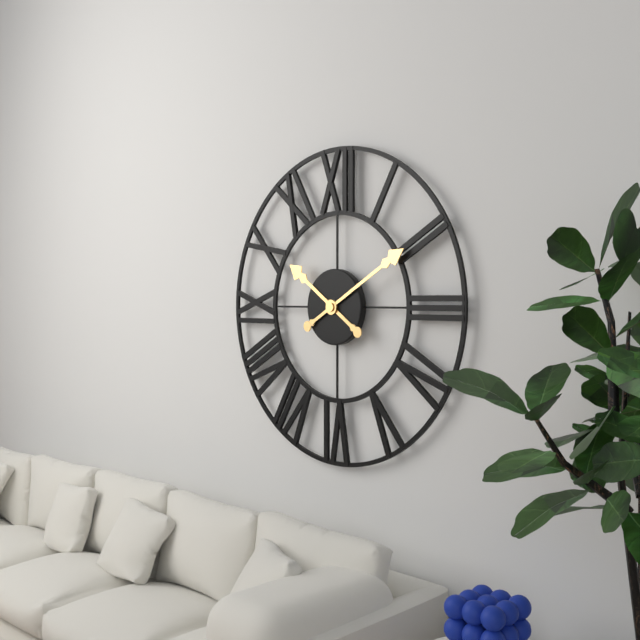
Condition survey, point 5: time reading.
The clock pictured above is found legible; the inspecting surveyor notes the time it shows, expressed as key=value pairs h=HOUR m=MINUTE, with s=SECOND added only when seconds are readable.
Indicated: h=10 m=10
